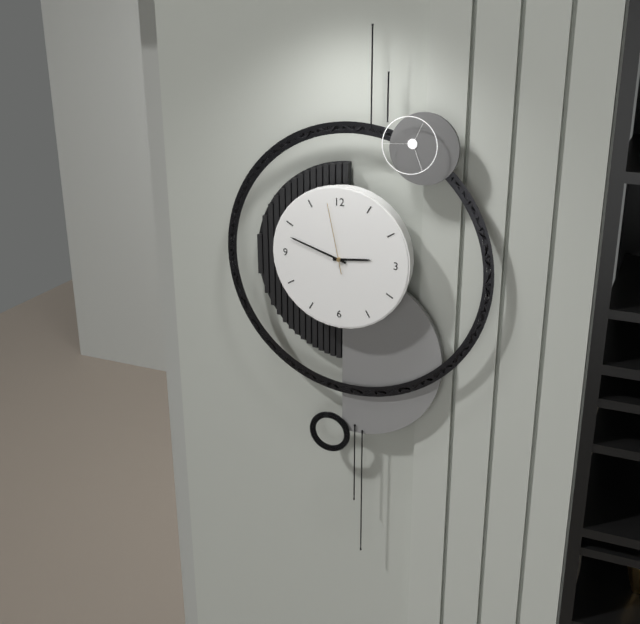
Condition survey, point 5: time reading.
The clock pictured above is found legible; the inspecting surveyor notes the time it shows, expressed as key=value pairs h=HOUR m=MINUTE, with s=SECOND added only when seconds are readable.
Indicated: h=2 m=48 s=58
